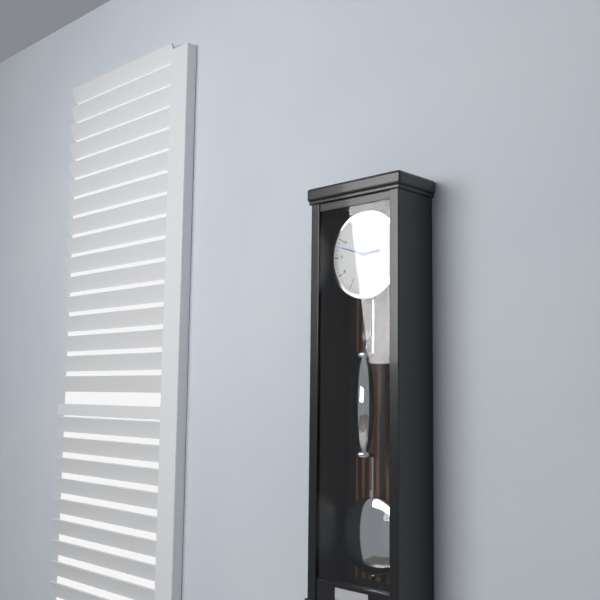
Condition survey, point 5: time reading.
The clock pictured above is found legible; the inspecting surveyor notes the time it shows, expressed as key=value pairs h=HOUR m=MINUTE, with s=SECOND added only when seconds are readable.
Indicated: h=2 m=48
